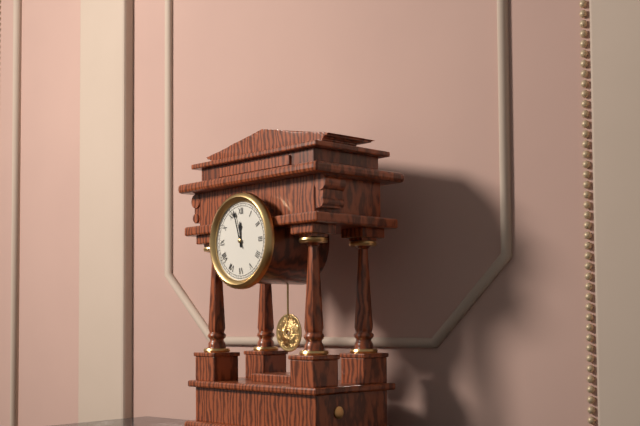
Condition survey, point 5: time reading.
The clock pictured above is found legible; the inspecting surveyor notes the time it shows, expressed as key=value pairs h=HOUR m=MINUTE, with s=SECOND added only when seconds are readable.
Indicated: h=11 m=57
